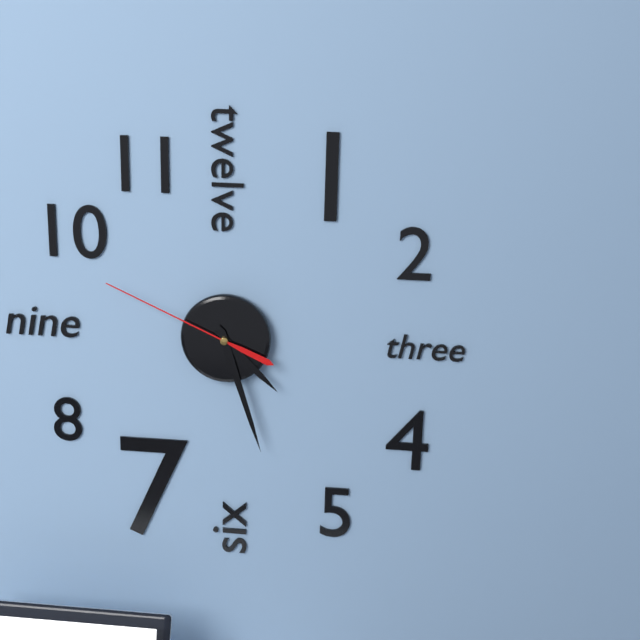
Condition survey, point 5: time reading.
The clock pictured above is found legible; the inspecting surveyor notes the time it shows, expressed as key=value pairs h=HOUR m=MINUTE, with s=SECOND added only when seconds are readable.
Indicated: h=4 m=27 s=49
